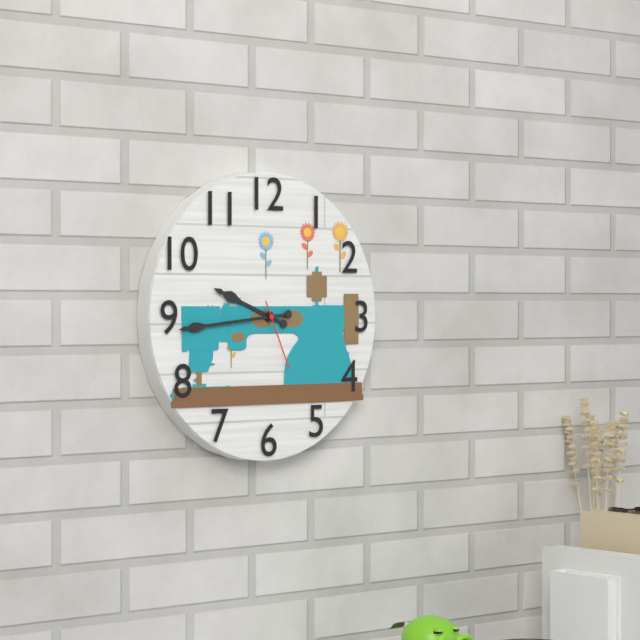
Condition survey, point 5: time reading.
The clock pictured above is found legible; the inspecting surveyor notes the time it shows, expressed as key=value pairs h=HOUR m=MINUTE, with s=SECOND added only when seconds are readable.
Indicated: h=9 m=44 s=26
